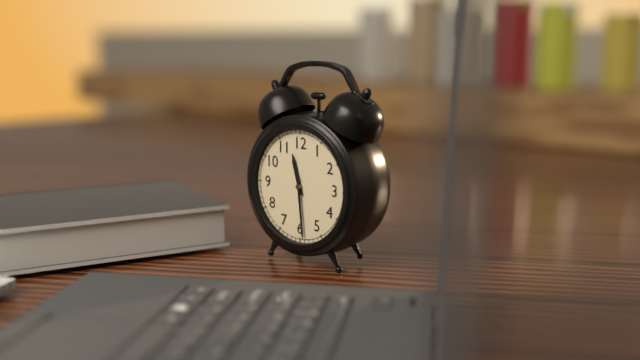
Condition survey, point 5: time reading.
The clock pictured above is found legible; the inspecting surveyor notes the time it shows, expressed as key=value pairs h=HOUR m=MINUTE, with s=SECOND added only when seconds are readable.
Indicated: h=11 m=29
